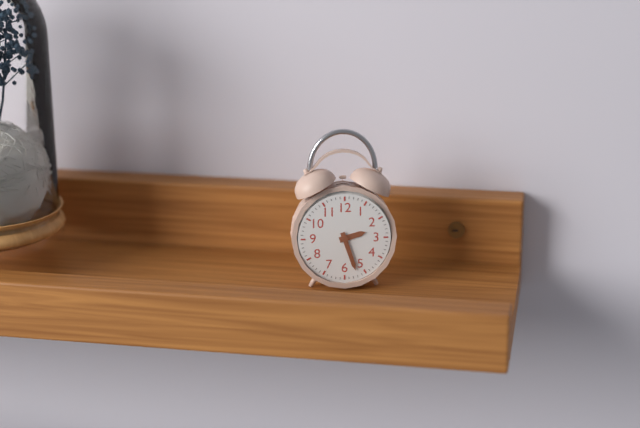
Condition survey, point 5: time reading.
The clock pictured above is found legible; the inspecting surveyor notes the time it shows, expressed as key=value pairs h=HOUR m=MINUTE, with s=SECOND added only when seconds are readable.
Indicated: h=2 m=27
